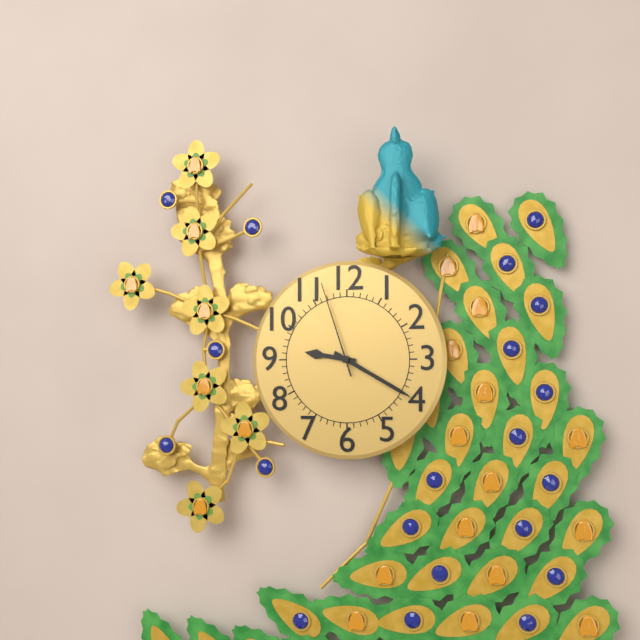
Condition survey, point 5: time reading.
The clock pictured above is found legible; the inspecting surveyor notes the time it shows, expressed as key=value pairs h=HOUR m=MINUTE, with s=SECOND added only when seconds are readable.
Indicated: h=9 m=20 s=57
